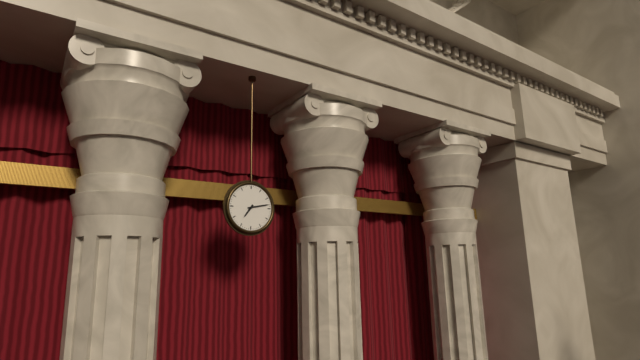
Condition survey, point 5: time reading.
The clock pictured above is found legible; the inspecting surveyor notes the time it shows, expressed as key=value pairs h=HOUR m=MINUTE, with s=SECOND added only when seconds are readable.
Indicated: h=7 m=13
